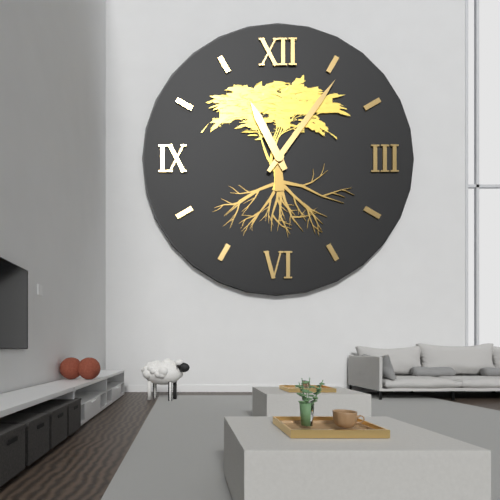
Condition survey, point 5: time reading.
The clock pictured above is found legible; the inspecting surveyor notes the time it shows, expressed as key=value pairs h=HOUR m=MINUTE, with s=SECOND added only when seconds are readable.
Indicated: h=11 m=6
